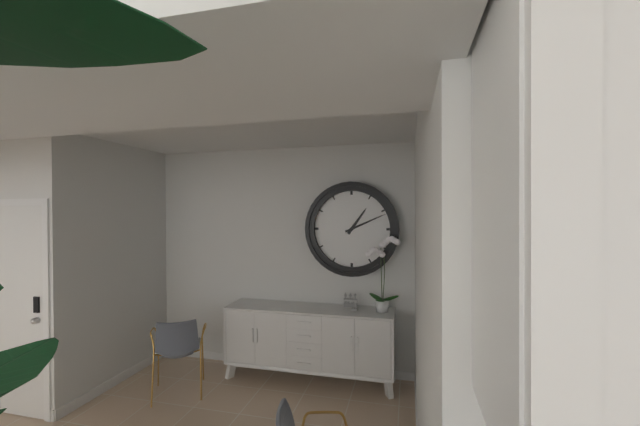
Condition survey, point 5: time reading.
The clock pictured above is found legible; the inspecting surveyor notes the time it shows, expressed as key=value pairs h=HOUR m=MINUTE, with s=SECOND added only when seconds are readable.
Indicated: h=1 m=11
